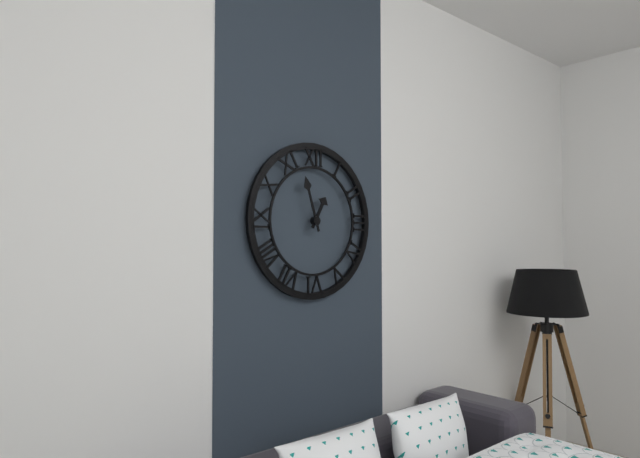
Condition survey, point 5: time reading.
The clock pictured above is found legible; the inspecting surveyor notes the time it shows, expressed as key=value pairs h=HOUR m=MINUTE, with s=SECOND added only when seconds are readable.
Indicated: h=12 m=57
